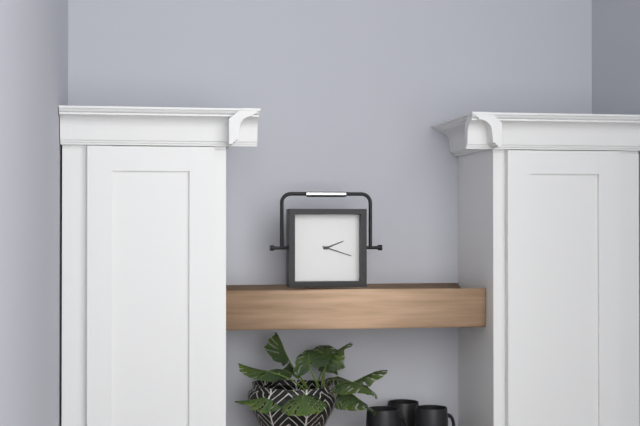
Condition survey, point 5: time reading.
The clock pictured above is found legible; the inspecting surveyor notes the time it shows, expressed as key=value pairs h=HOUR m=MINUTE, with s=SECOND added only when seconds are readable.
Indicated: h=2 m=18
